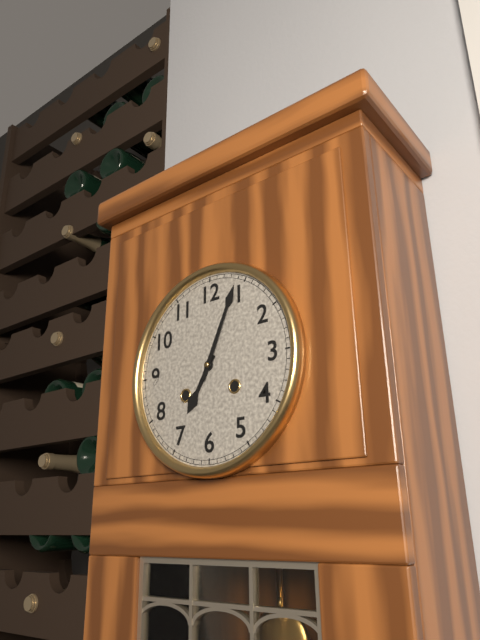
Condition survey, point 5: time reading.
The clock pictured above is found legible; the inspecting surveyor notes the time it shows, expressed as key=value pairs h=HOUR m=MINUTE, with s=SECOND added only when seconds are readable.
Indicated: h=7 m=4
